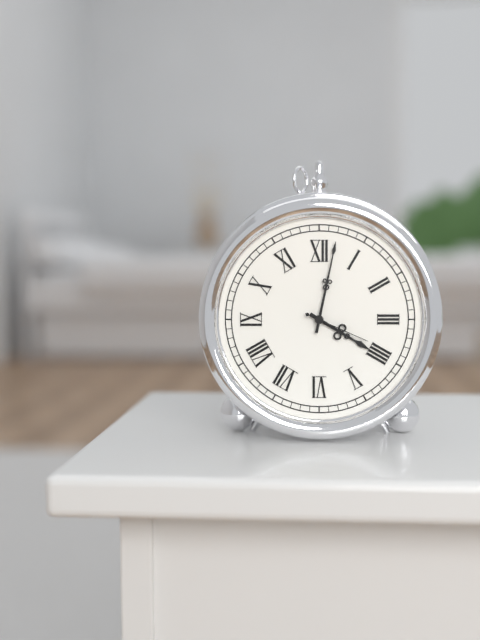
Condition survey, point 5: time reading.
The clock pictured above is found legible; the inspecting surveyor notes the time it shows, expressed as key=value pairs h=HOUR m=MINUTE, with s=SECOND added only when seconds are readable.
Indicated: h=4 m=2 s=19
